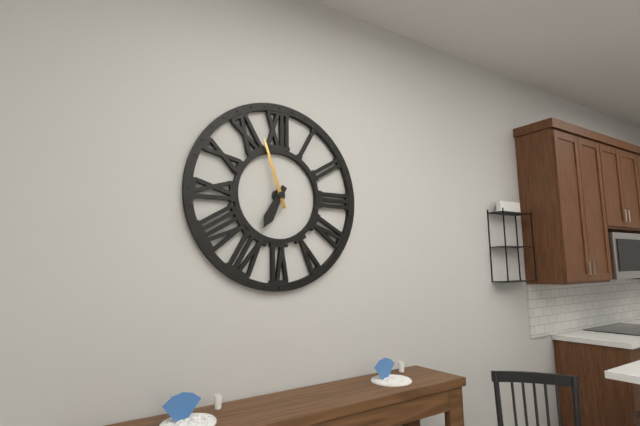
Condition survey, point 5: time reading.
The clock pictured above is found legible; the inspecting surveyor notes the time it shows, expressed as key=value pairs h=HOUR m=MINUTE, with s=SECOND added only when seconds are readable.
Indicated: h=6 m=57
